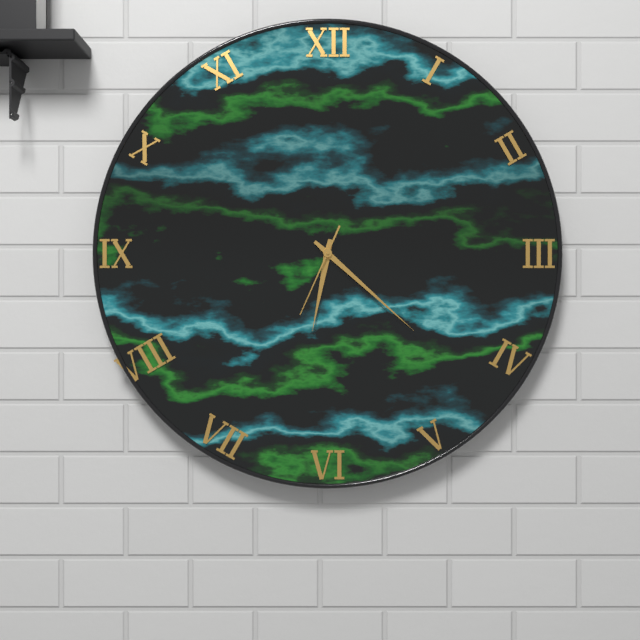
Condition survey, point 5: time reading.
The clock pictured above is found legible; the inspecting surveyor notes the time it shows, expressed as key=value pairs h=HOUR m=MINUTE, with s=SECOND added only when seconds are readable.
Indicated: h=6 m=22 s=34
